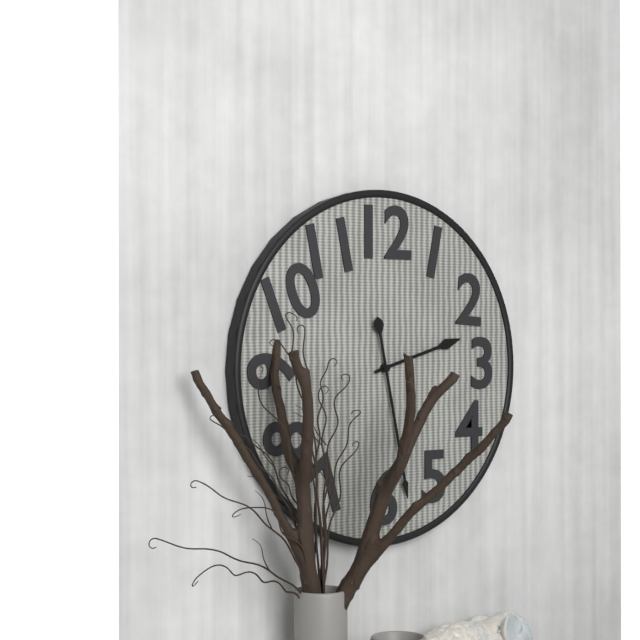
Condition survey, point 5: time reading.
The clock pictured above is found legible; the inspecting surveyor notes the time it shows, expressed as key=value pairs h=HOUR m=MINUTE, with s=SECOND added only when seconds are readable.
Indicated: h=2 m=28
